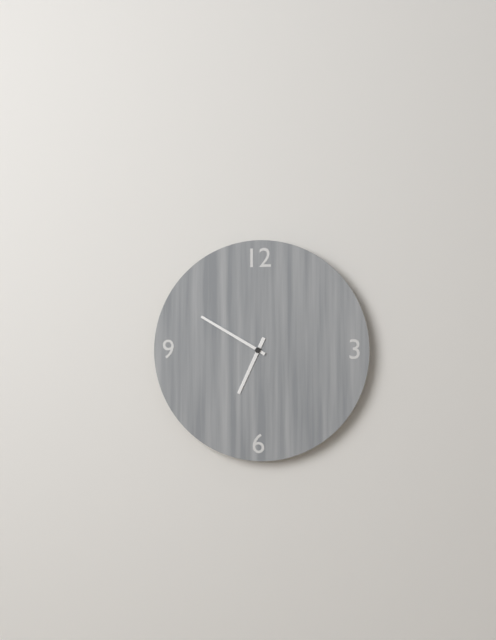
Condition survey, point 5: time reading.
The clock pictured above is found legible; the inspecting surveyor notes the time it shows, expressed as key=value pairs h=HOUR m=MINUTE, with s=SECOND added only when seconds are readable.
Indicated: h=6 m=50
